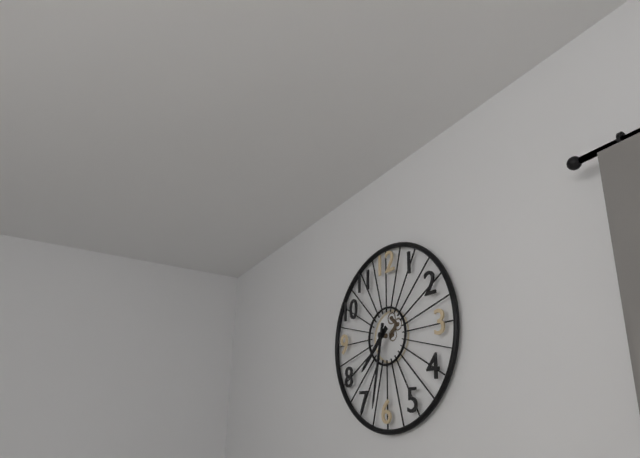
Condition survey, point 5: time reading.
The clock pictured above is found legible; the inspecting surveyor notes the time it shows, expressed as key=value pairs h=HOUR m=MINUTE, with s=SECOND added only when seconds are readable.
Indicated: h=7 m=32
